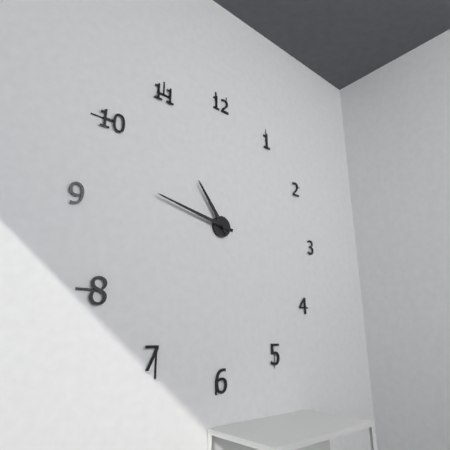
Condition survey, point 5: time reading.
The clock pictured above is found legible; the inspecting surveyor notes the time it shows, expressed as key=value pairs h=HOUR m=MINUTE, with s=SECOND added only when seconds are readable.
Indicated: h=10 m=47
